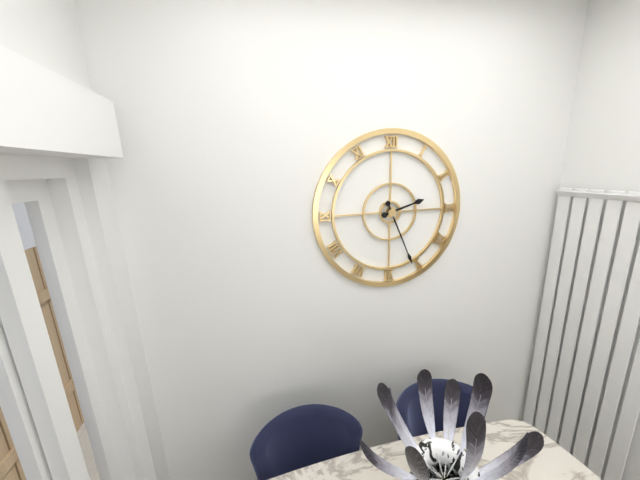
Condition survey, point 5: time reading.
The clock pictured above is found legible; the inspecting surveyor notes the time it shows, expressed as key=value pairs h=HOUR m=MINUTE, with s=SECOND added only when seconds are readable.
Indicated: h=2 m=26
